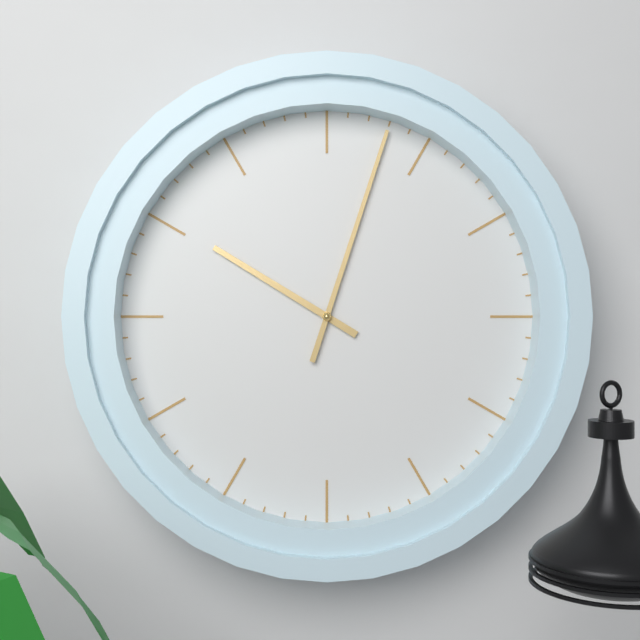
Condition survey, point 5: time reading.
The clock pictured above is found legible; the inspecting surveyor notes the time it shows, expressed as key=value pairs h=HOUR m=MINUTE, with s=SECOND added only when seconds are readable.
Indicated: h=10 m=3
